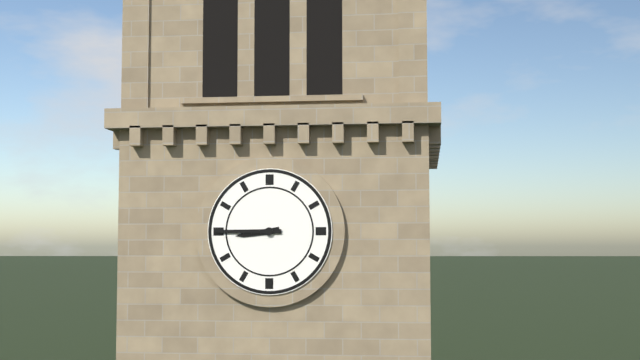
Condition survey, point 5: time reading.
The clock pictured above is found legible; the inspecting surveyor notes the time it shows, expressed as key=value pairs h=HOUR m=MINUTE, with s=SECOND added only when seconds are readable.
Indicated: h=8 m=45
